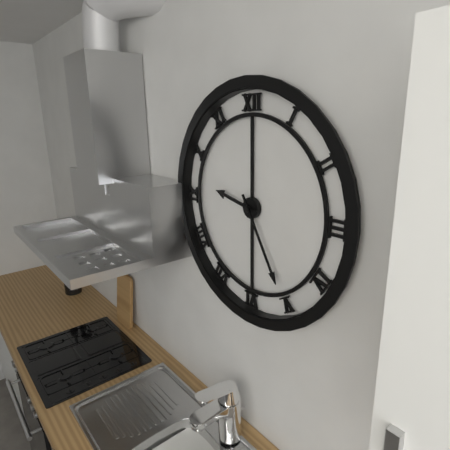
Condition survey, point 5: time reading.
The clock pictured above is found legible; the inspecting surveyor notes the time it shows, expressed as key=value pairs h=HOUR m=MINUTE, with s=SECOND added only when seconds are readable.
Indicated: h=9 m=25
